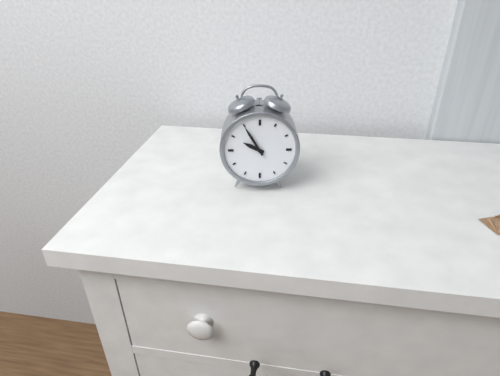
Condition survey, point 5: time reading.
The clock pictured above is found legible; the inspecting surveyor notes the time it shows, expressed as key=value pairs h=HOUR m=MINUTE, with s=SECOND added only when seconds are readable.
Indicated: h=9 m=55
